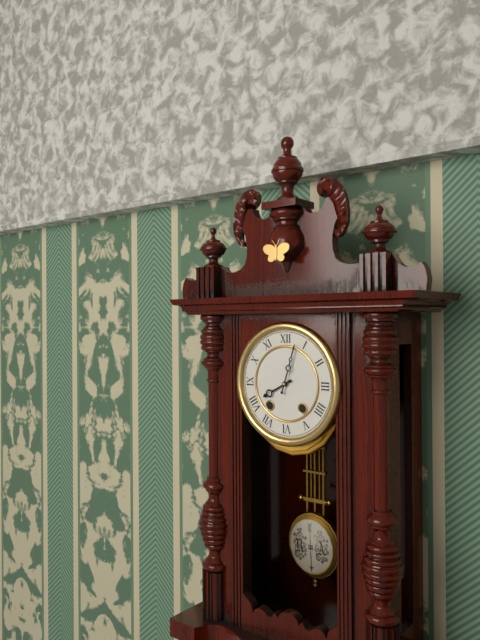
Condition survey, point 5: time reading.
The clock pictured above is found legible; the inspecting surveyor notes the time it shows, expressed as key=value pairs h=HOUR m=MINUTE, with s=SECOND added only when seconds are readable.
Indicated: h=8 m=3
